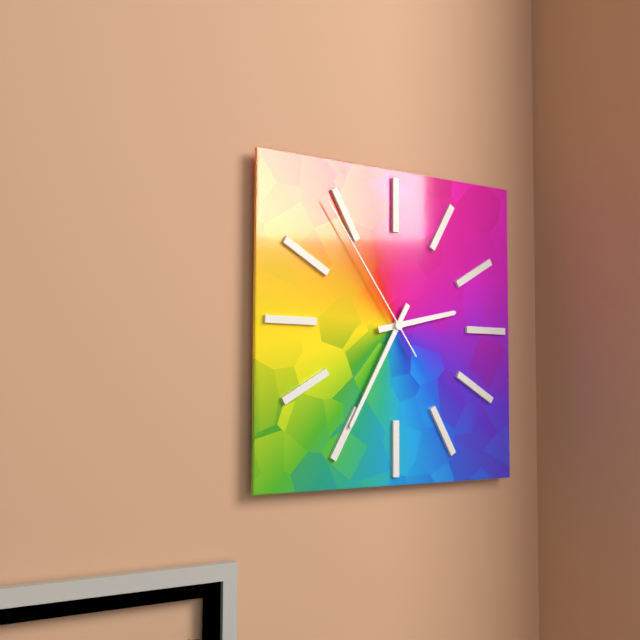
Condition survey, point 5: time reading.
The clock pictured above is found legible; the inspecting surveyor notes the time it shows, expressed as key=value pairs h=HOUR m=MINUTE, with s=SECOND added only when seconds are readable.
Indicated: h=2 m=35 s=54
